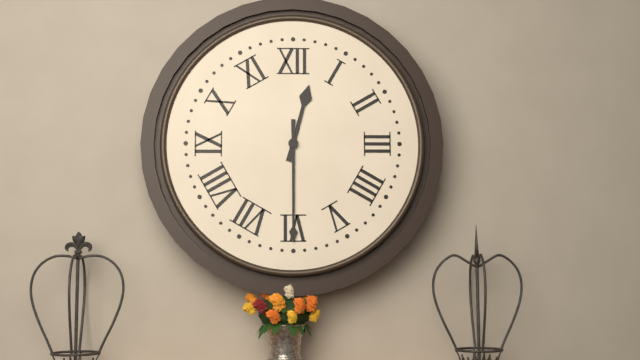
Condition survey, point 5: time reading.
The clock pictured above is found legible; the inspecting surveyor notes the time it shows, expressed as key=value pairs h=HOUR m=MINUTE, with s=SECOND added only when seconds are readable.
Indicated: h=12 m=30
